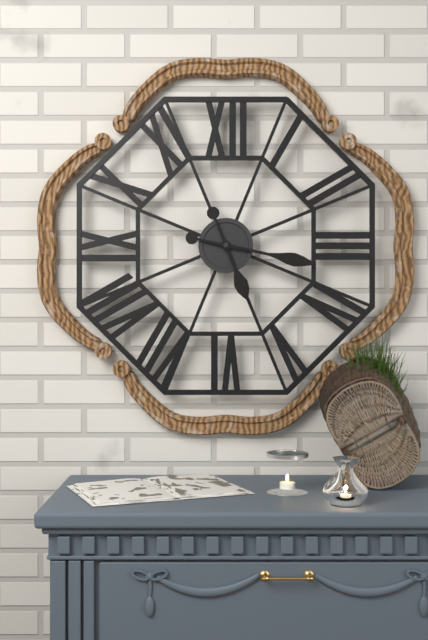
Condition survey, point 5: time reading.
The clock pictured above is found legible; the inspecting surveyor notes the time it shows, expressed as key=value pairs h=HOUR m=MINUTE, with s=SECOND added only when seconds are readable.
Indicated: h=5 m=17
